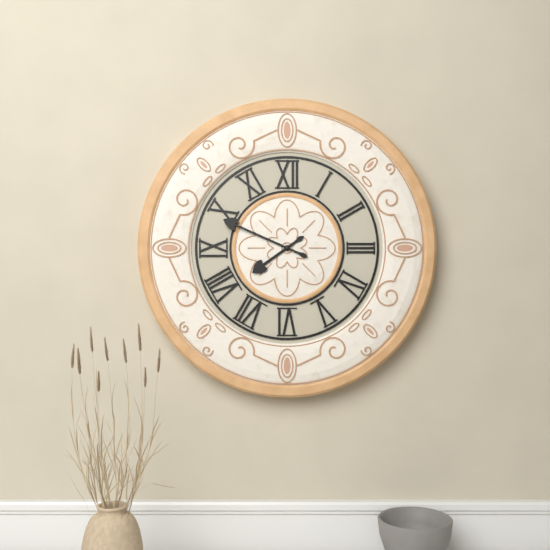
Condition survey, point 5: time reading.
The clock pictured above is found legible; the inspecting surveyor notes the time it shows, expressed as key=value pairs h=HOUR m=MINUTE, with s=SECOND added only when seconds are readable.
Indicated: h=7 m=49
